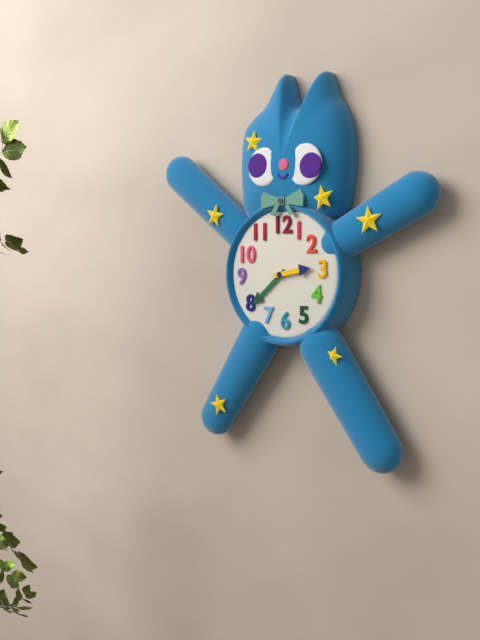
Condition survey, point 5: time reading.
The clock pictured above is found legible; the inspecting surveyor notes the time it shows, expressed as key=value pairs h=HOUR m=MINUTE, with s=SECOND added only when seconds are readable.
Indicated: h=2 m=38
